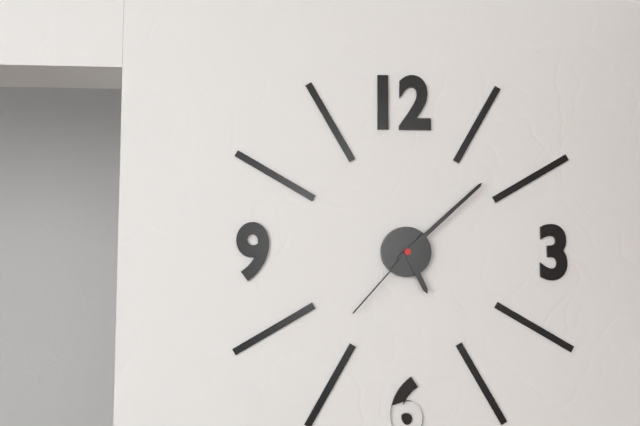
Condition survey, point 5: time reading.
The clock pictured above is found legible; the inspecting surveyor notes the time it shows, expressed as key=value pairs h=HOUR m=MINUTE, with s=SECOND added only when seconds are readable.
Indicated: h=5 m=8 s=37
